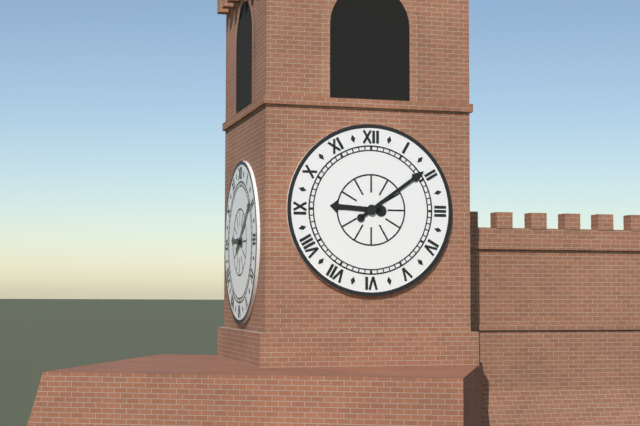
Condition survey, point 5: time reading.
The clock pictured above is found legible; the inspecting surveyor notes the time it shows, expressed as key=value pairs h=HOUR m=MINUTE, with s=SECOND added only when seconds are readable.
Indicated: h=9 m=9
